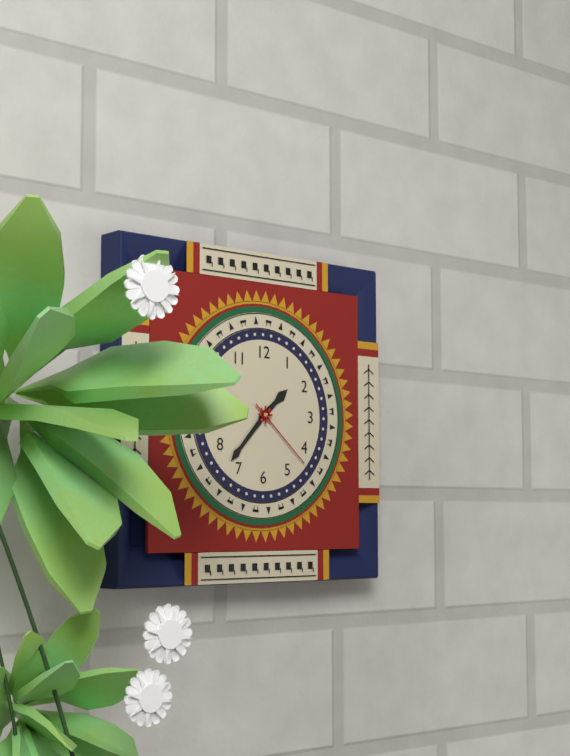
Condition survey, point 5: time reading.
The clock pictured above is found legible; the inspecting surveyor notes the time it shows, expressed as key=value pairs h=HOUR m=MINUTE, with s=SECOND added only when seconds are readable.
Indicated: h=1 m=37 s=22
